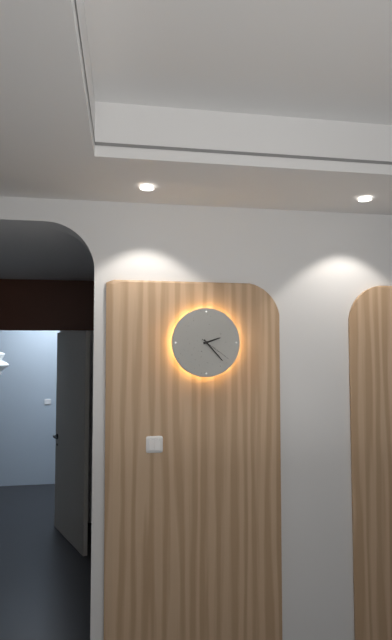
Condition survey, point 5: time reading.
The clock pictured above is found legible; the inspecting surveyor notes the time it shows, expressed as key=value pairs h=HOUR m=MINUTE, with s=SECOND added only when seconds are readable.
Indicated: h=2 m=23
